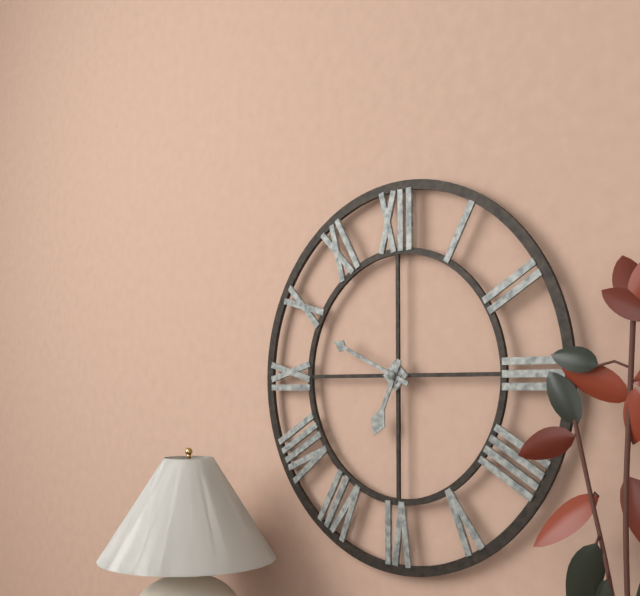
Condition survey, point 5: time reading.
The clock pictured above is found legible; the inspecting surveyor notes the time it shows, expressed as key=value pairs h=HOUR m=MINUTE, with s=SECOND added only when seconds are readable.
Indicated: h=6 m=49
